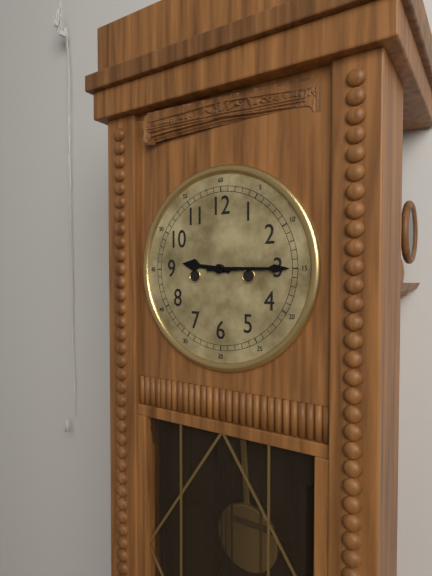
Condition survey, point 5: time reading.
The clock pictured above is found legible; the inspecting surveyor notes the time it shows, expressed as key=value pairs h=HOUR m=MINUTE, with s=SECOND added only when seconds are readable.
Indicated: h=9 m=15
